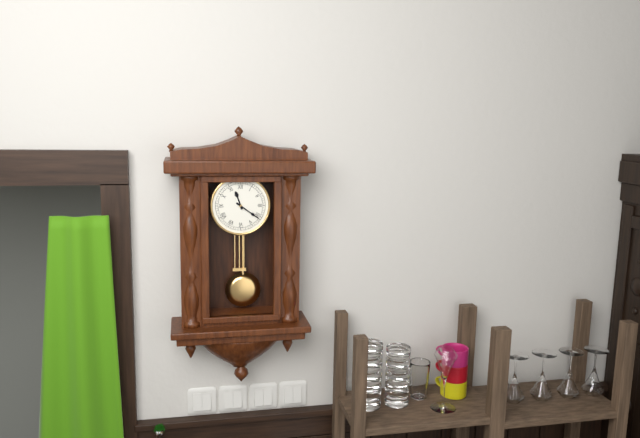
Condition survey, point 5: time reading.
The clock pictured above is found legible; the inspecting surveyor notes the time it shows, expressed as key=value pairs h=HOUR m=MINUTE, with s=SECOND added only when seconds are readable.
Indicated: h=11 m=21
